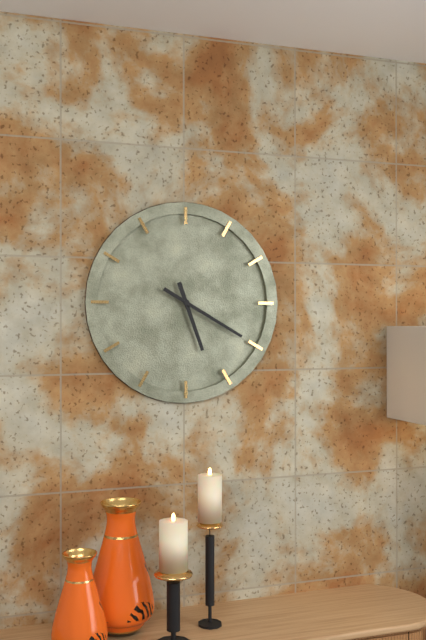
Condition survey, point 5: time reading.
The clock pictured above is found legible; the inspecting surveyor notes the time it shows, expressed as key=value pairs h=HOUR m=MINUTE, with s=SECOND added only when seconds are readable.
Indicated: h=5 m=20
